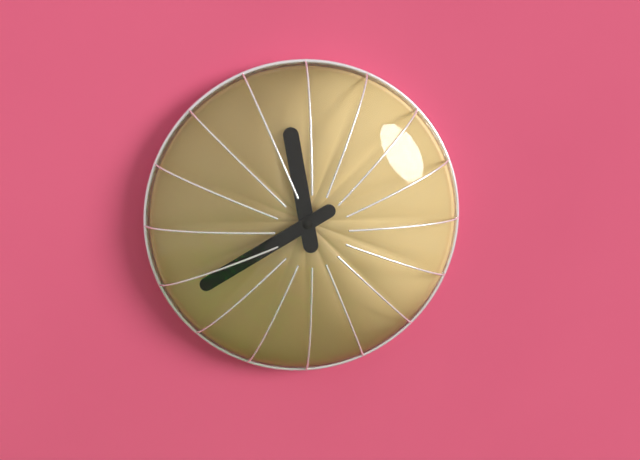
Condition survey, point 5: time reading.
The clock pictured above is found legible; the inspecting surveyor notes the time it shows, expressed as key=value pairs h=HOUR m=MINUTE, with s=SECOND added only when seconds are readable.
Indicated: h=11 m=40
